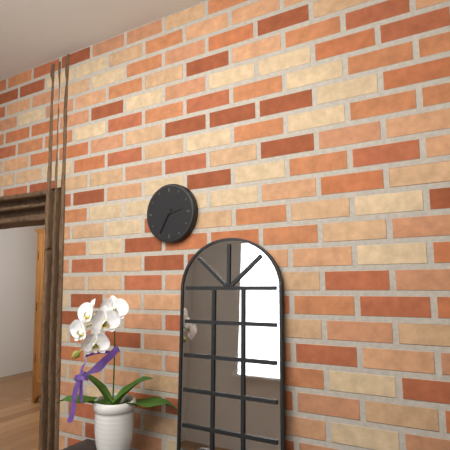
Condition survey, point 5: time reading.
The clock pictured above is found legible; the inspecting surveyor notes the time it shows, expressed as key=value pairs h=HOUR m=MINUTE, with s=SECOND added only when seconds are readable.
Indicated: h=2 m=35
